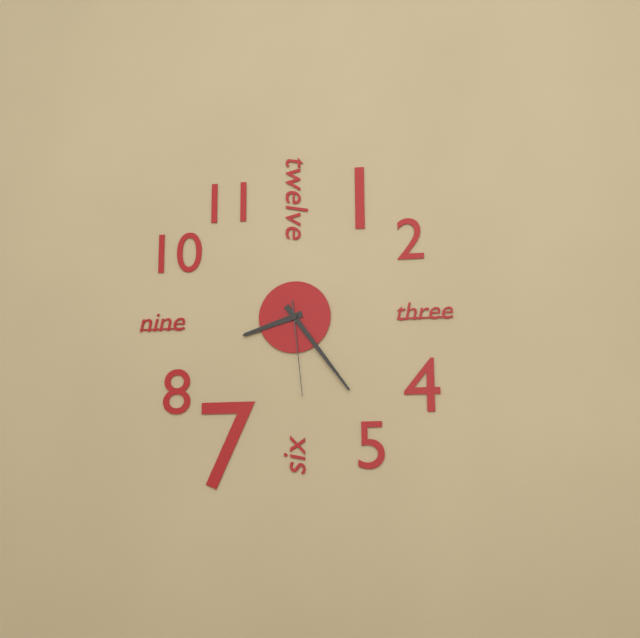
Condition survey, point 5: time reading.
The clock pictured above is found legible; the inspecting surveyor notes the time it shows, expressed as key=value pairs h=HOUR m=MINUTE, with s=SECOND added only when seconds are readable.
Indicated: h=8 m=24 s=29
